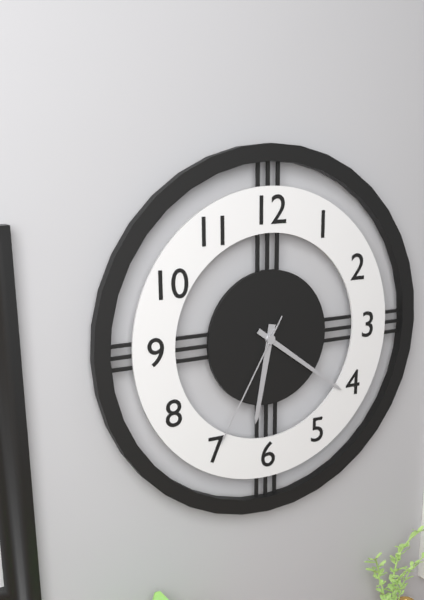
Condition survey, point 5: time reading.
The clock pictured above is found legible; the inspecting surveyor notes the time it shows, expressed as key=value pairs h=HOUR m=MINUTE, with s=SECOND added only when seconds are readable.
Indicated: h=6 m=21 s=35
